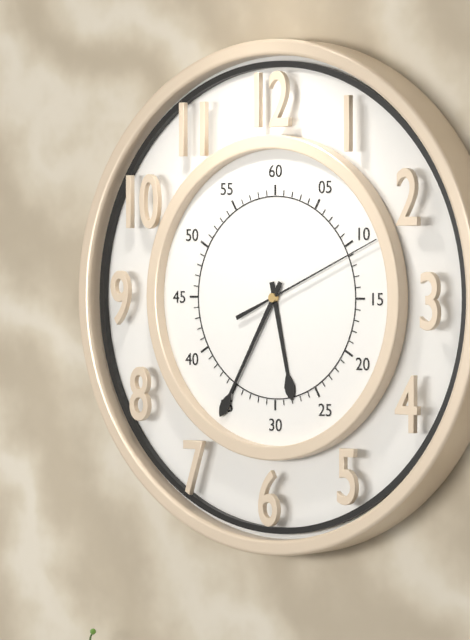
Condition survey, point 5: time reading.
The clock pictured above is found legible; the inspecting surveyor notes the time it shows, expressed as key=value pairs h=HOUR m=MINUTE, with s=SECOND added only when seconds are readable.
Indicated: h=5 m=35 s=11
